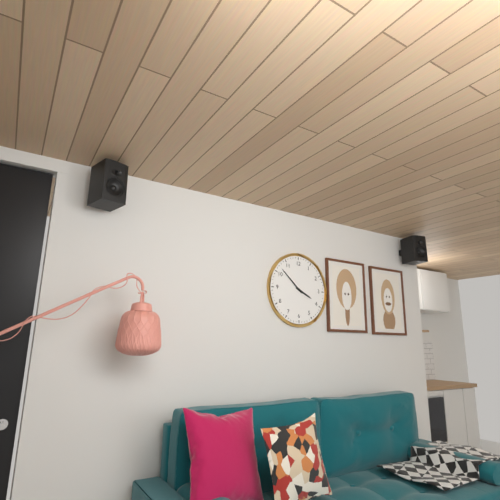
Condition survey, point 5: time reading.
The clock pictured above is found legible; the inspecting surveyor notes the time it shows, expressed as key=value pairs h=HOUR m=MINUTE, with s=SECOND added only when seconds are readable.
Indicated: h=3 m=52
